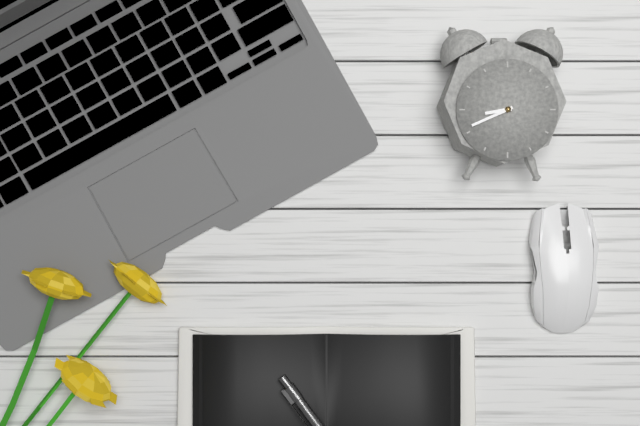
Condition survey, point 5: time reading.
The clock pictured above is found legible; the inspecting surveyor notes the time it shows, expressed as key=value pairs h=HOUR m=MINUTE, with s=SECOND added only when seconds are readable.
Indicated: h=8 m=41
